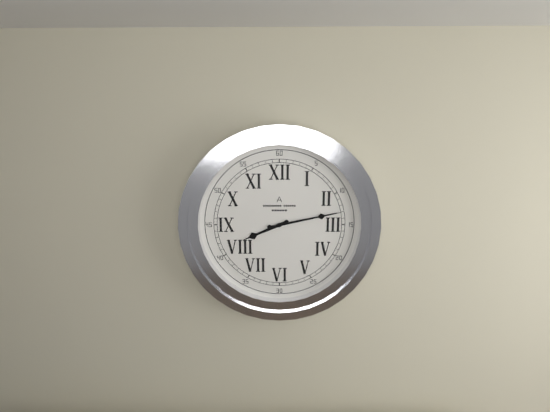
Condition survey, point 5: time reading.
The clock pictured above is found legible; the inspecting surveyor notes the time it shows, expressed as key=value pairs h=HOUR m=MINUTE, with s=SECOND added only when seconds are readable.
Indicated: h=8 m=13
